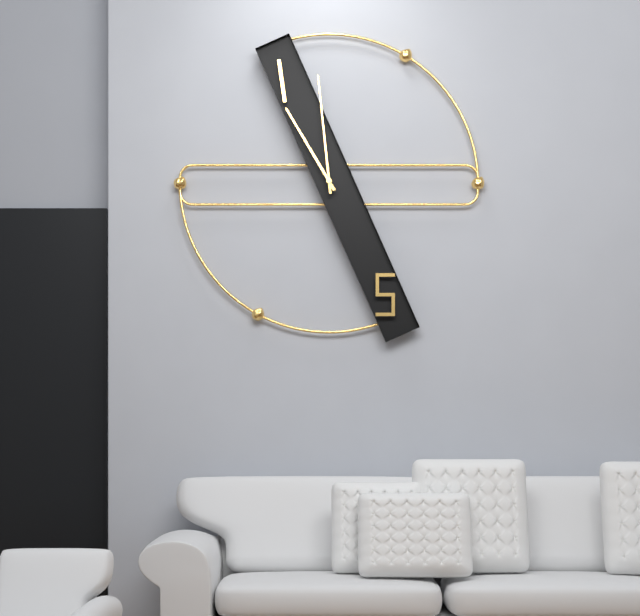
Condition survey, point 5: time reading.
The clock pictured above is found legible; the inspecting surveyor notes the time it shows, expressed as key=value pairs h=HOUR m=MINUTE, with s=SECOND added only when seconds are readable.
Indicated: h=10 m=59
